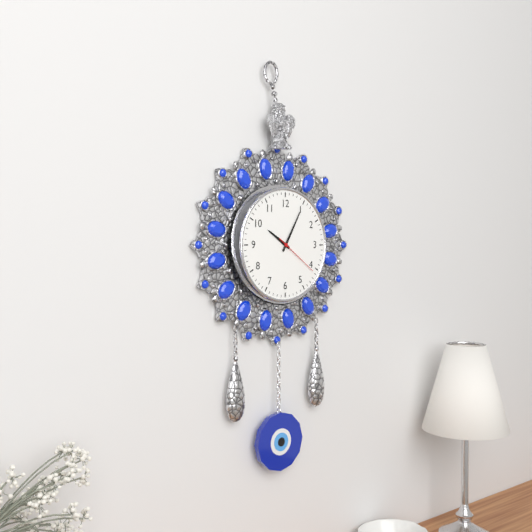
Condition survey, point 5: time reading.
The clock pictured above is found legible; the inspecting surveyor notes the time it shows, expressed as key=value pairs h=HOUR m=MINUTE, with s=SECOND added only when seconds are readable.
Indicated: h=10 m=5
